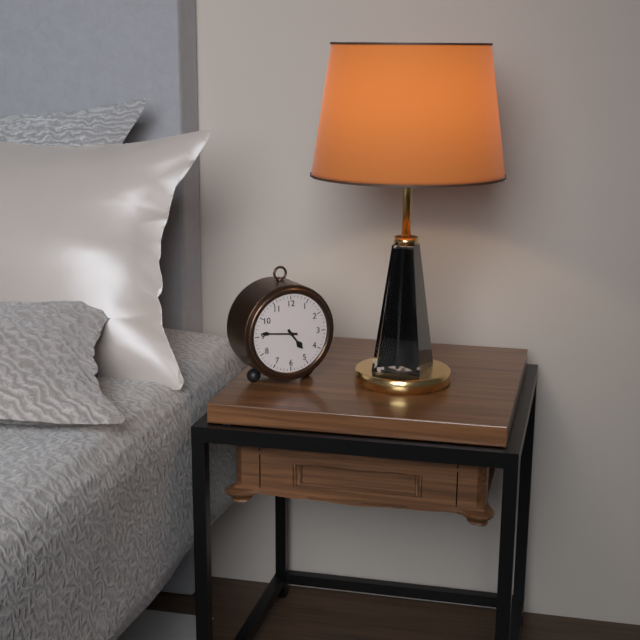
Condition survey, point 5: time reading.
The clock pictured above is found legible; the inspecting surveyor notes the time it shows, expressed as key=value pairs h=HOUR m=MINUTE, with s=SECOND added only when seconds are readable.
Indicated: h=4 m=46
